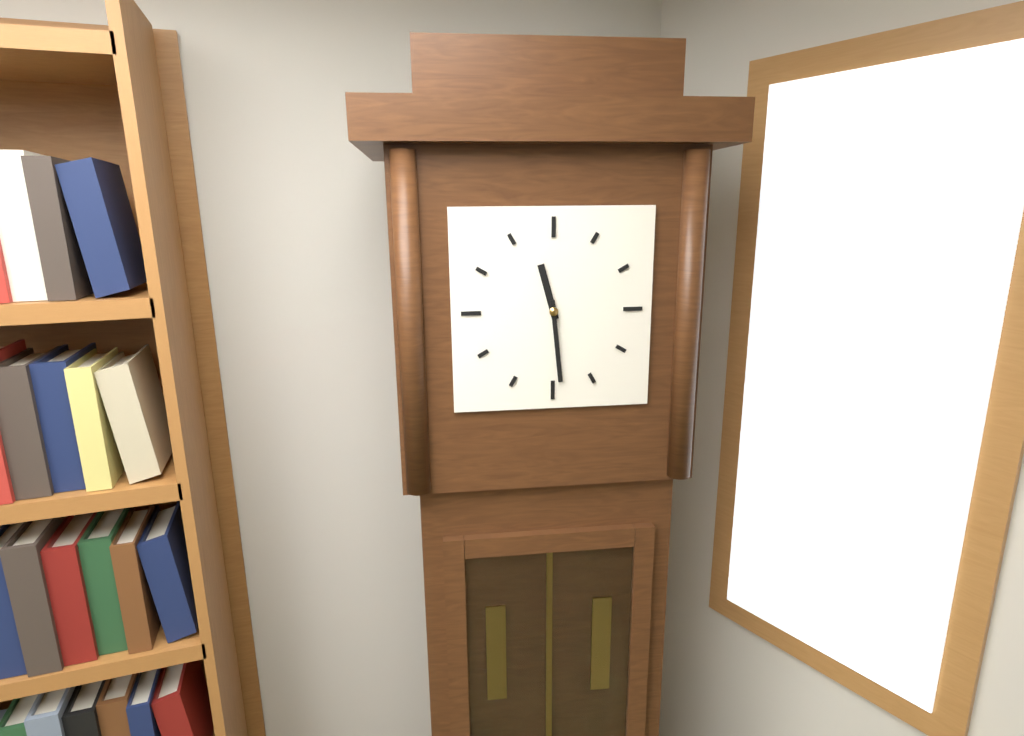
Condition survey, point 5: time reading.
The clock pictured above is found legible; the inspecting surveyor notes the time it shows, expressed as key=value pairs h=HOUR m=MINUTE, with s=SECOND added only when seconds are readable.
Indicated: h=11 m=29
